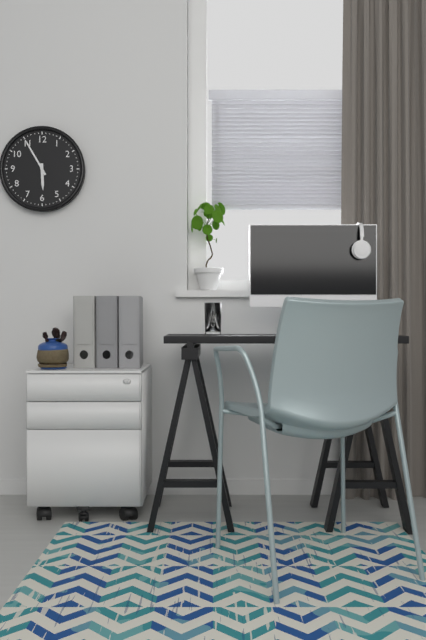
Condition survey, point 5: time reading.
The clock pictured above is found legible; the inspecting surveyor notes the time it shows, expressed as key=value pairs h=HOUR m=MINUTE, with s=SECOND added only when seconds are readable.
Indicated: h=5 m=55
